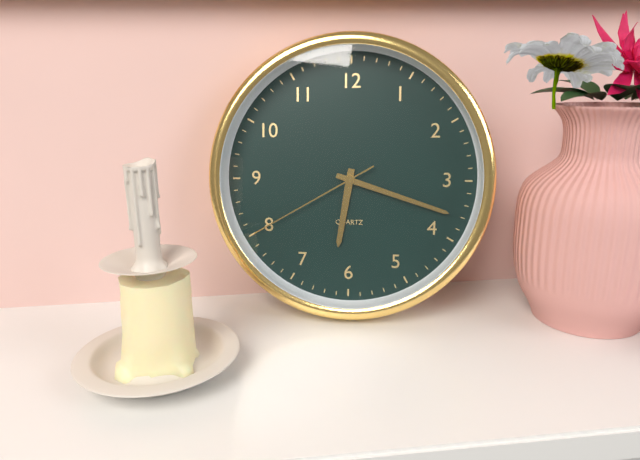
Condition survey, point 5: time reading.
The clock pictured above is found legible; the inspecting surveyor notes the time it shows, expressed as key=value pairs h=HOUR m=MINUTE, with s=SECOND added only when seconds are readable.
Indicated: h=6 m=18 s=40
